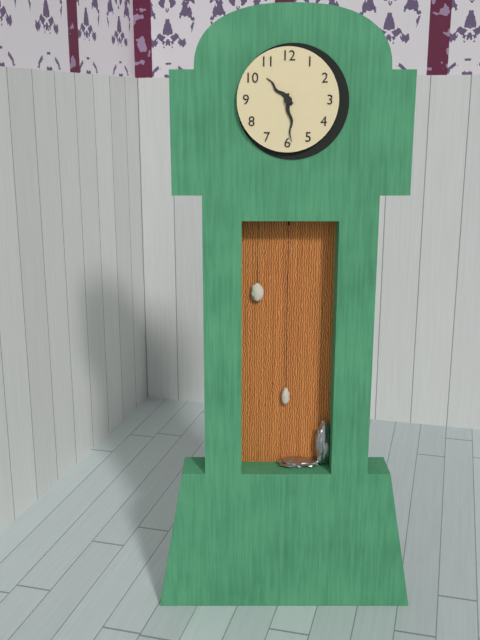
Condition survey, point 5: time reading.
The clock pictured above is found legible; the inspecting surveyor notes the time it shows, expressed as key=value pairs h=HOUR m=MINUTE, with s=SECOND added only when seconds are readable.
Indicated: h=10 m=29
